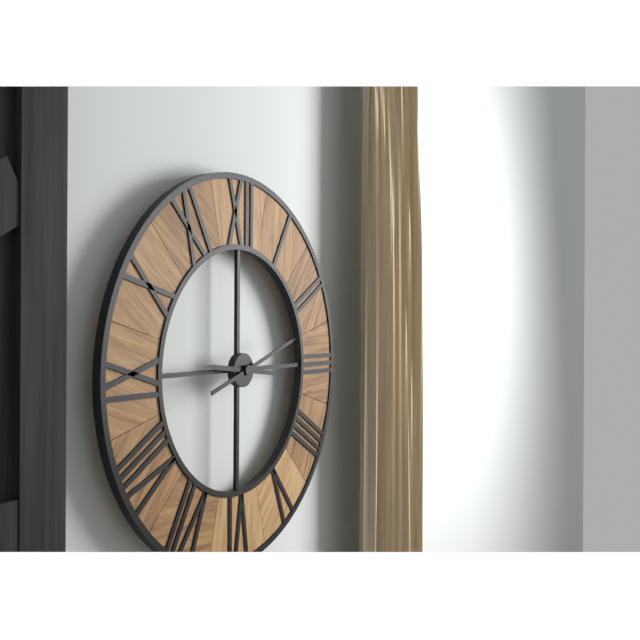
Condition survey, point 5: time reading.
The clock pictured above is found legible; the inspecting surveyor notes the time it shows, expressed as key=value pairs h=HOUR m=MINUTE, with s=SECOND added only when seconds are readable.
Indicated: h=9 m=12
